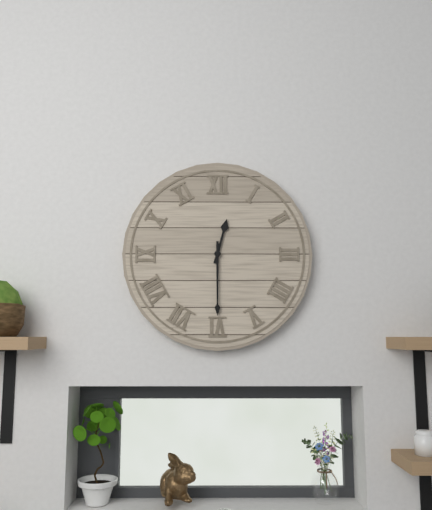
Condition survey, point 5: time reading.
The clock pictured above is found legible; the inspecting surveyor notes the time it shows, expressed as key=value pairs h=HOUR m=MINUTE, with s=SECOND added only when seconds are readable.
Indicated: h=12 m=30
